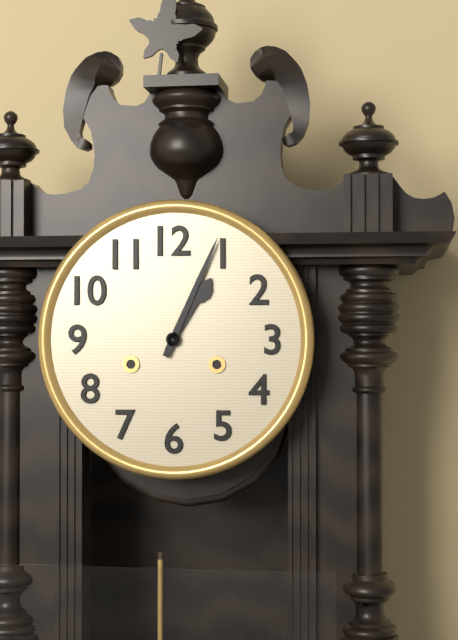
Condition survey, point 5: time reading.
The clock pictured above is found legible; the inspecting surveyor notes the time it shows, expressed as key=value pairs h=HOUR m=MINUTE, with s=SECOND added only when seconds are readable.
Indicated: h=1 m=4
